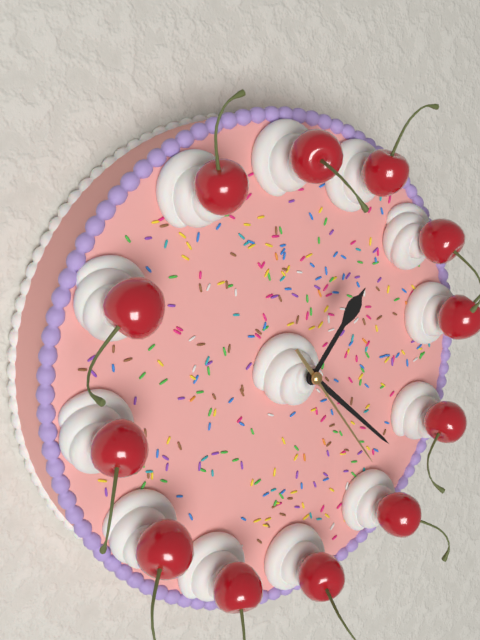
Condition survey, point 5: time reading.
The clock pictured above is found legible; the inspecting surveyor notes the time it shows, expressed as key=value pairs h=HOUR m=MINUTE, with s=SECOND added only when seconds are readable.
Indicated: h=1 m=22 s=24
